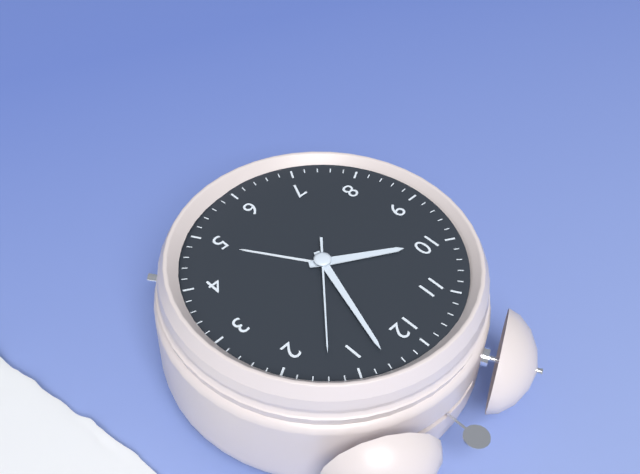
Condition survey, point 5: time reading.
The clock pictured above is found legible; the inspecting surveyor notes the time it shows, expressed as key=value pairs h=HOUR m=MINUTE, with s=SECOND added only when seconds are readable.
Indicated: h=10 m=3 s=7
